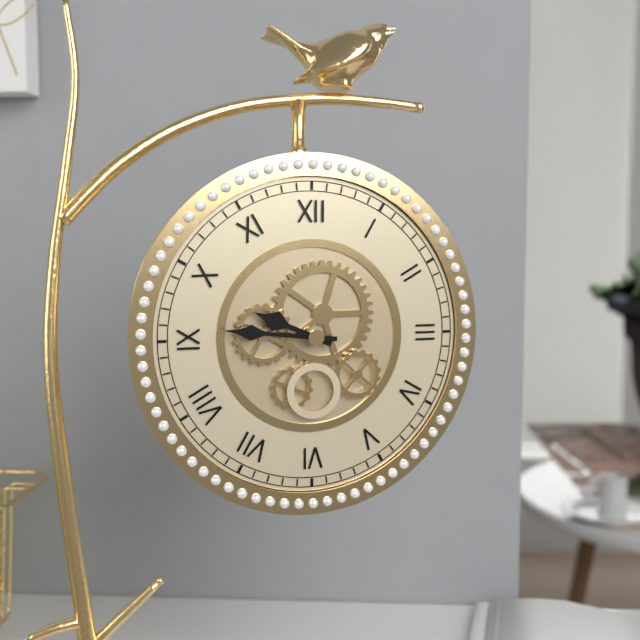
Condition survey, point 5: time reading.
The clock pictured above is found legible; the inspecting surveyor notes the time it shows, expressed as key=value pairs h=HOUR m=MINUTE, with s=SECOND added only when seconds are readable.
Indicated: h=9 m=46
